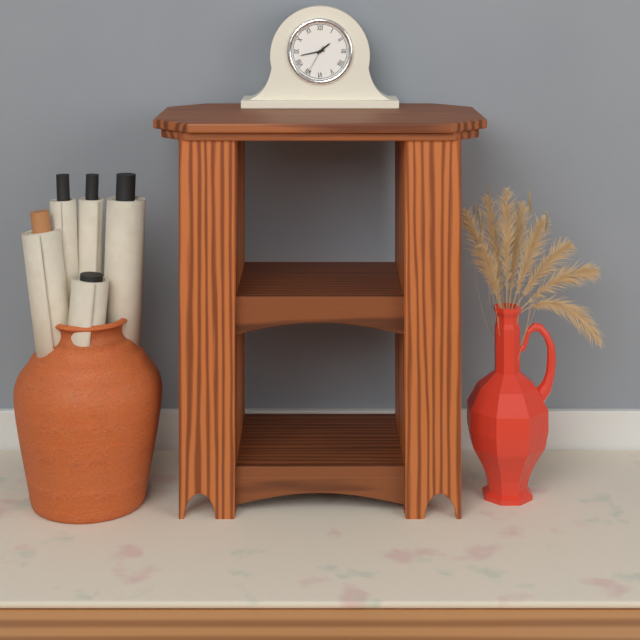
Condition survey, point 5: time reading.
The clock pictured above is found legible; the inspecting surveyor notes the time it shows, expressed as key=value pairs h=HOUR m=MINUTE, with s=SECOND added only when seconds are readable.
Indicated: h=1 m=43
